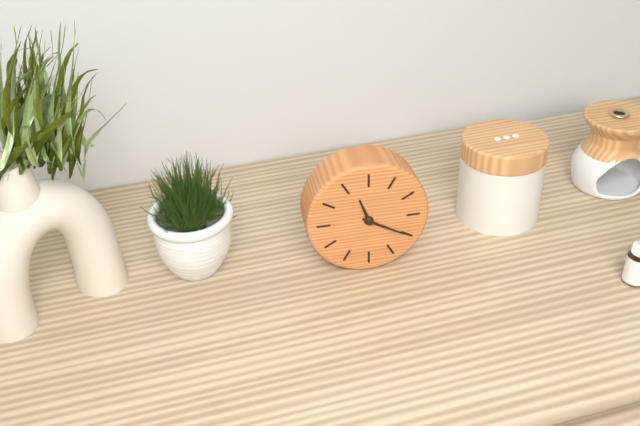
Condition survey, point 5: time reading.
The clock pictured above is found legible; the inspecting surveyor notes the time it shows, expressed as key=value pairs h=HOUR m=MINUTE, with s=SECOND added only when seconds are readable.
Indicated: h=11 m=20
